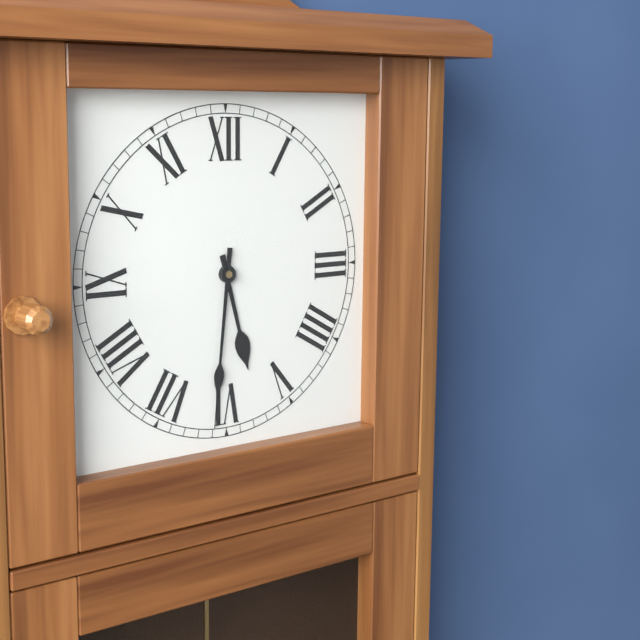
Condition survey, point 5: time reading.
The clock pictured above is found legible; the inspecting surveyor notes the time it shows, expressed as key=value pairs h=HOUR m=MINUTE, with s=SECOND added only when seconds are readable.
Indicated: h=5 m=31
